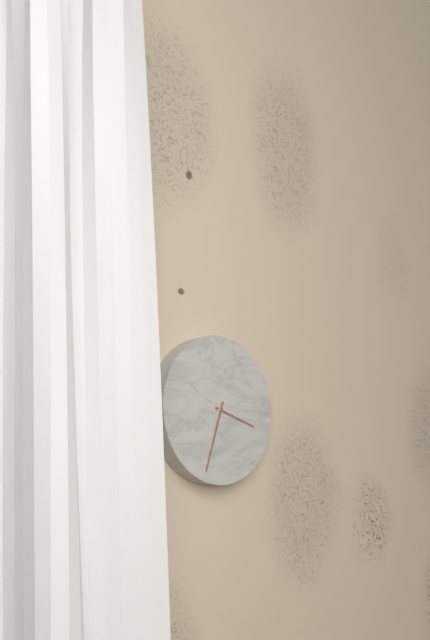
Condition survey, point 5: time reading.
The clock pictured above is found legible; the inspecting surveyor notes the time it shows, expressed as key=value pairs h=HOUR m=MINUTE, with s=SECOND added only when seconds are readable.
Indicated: h=3 m=33
